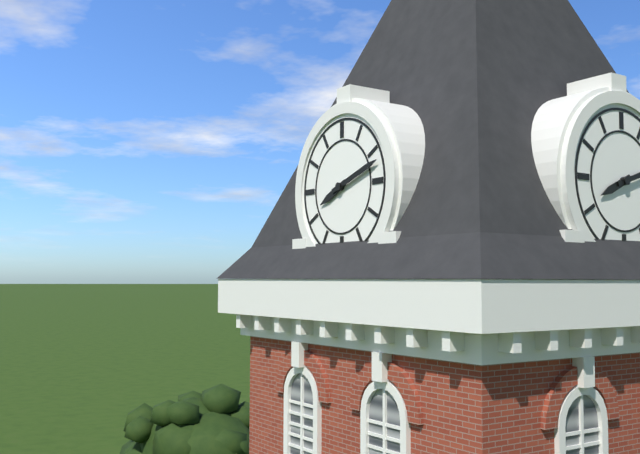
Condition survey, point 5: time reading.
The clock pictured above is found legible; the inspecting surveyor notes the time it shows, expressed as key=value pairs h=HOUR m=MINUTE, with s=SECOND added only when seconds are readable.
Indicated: h=8 m=12
